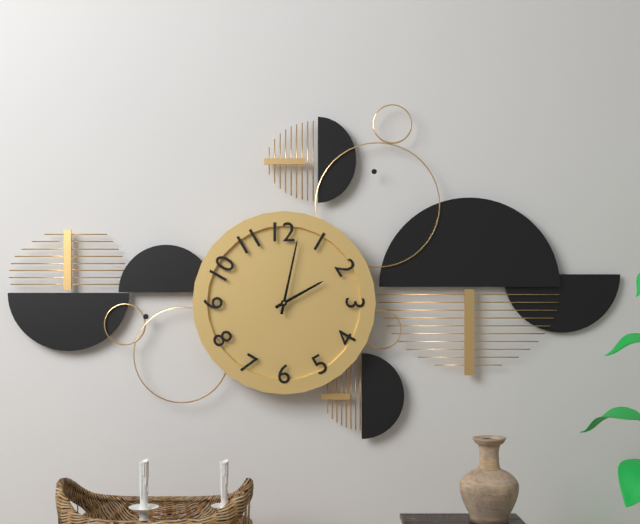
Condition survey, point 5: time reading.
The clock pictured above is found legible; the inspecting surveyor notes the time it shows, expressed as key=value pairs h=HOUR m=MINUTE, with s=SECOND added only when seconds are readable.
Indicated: h=2 m=2
